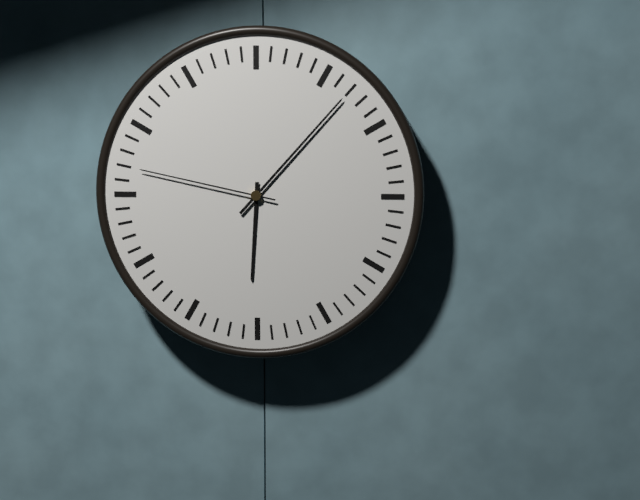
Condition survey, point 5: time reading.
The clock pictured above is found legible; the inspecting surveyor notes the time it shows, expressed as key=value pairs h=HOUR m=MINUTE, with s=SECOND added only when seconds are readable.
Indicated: h=6 m=7 s=47
